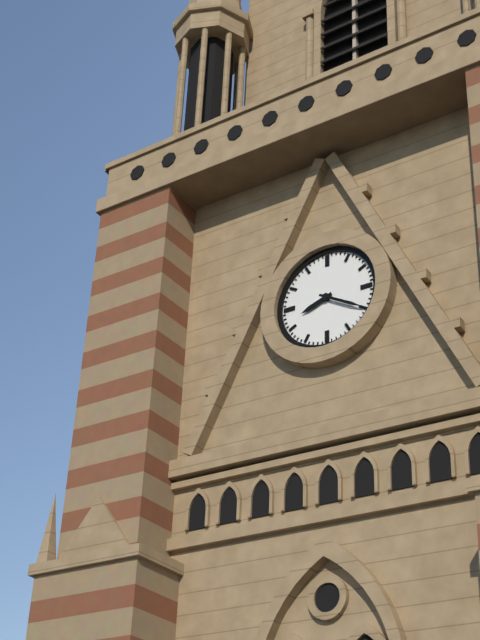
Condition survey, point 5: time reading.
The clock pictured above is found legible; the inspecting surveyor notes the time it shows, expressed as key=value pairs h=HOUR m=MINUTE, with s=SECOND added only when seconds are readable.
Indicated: h=8 m=20
